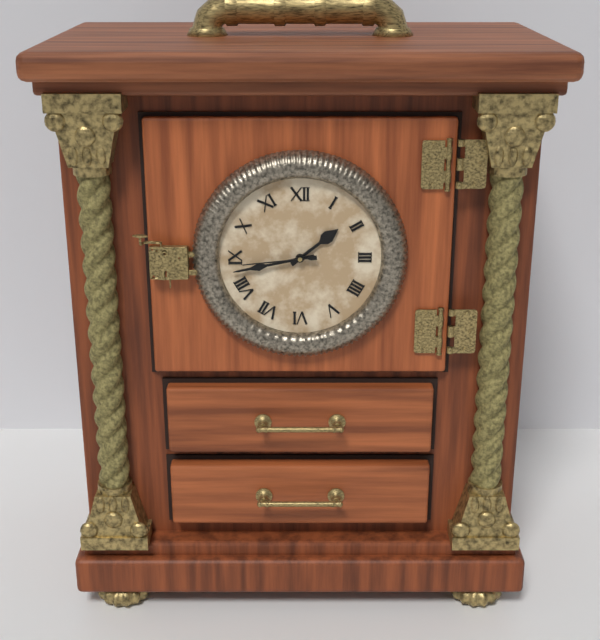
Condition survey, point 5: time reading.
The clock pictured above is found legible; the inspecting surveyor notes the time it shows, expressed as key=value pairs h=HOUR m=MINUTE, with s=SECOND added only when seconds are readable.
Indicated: h=1 m=43 s=44
